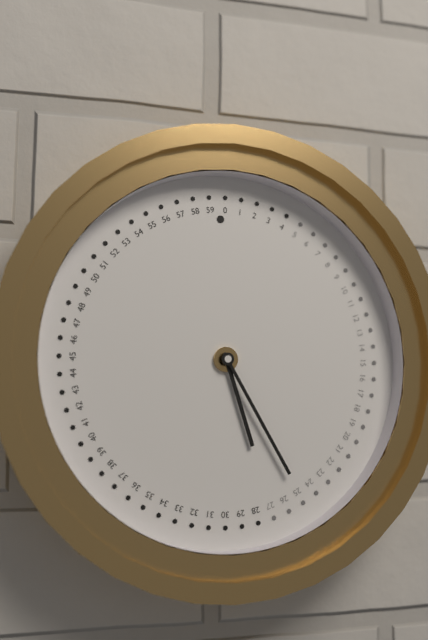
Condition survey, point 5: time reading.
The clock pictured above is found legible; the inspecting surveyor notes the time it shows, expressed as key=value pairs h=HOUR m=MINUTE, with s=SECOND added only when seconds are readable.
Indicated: h=5 m=25
